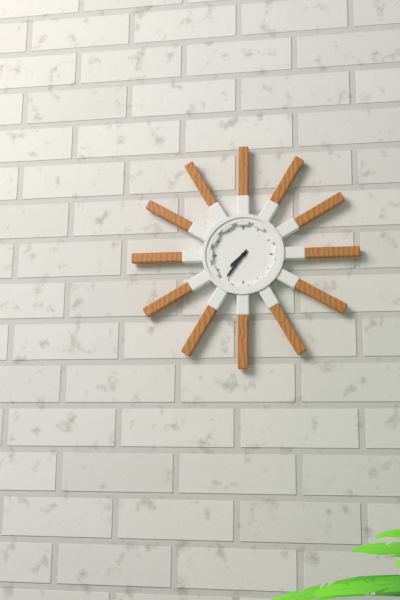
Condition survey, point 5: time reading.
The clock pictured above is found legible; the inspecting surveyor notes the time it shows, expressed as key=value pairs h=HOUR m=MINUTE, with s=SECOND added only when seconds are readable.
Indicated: h=7 m=36
